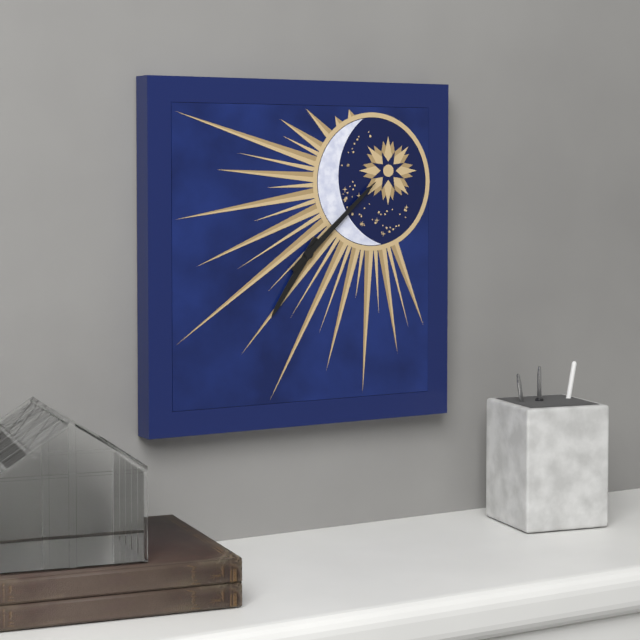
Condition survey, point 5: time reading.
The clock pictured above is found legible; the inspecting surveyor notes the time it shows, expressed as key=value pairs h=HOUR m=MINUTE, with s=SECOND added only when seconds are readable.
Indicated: h=7 m=8
